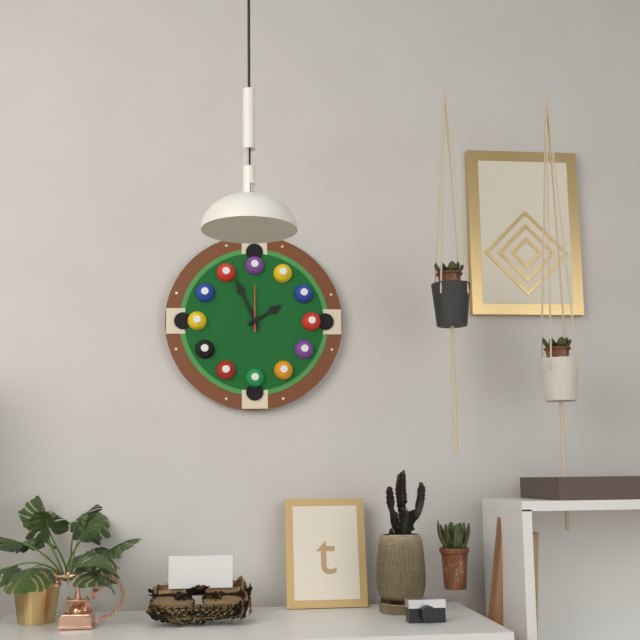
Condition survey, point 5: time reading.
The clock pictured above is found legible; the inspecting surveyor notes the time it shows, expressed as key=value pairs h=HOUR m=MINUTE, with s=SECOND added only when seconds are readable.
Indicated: h=1 m=56
